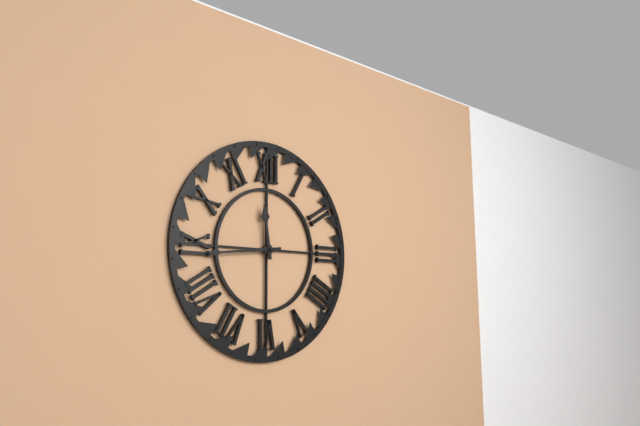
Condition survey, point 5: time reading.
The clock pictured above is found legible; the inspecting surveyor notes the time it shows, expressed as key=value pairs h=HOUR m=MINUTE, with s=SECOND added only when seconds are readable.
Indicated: h=11 m=44
